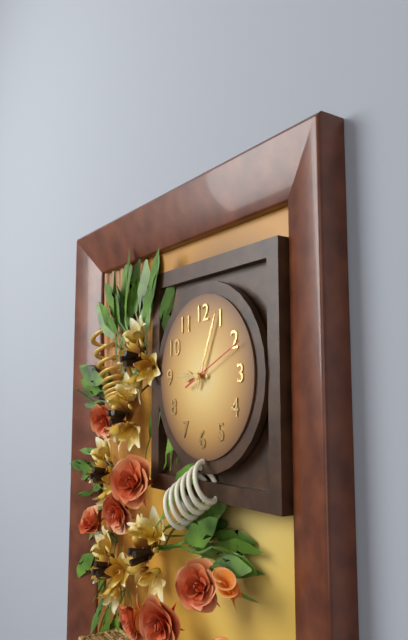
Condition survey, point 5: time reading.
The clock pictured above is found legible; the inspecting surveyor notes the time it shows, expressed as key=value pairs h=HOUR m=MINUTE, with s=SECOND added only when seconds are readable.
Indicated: h=9 m=4 s=11
